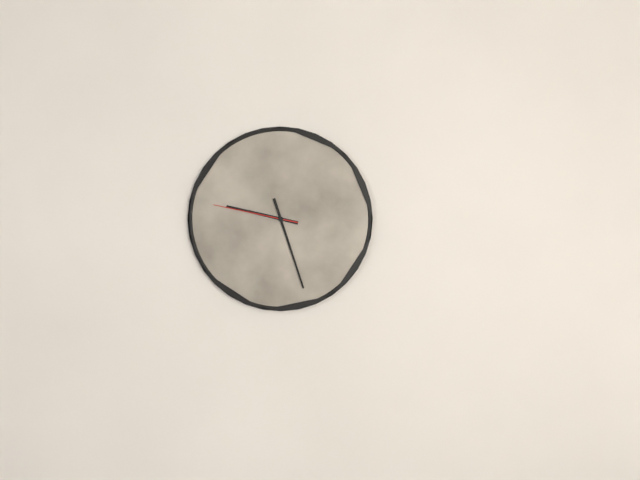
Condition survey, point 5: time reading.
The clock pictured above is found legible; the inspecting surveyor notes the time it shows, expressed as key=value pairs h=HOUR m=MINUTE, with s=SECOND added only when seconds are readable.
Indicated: h=9 m=27 s=47
